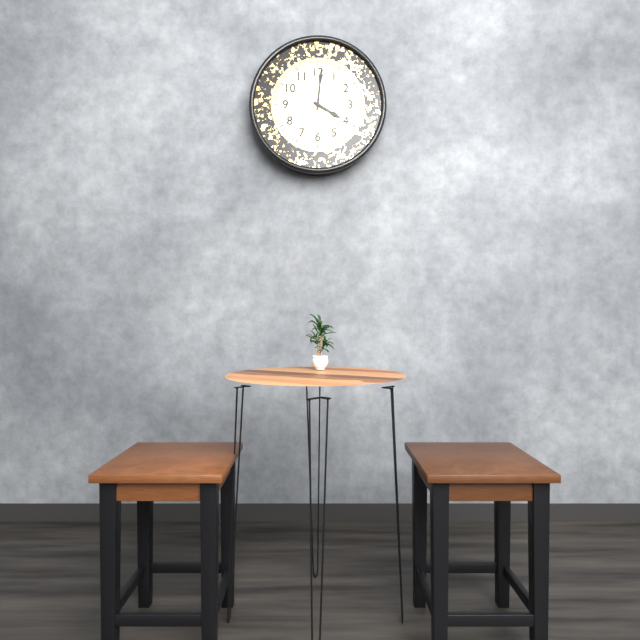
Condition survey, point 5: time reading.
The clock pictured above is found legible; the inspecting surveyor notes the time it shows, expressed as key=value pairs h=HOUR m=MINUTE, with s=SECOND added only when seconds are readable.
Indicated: h=4 m=1
